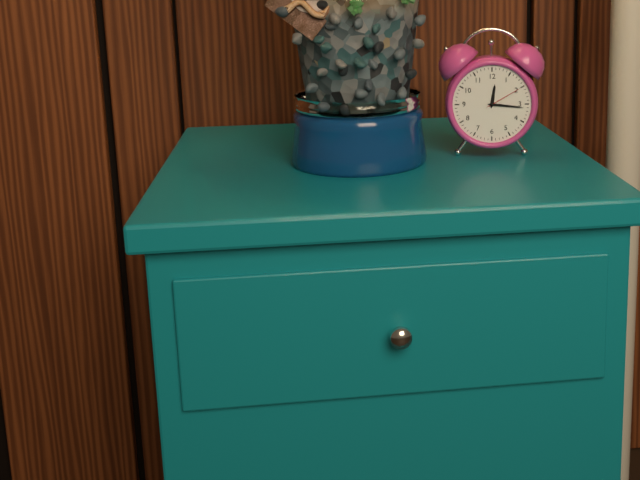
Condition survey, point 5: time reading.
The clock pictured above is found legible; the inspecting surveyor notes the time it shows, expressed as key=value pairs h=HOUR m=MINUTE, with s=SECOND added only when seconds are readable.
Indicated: h=12 m=16
